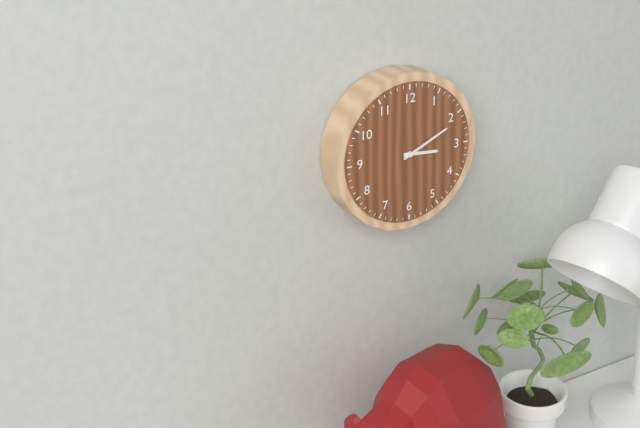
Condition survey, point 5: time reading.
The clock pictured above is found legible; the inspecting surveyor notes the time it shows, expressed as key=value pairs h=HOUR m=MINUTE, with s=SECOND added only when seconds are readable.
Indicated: h=3 m=11
